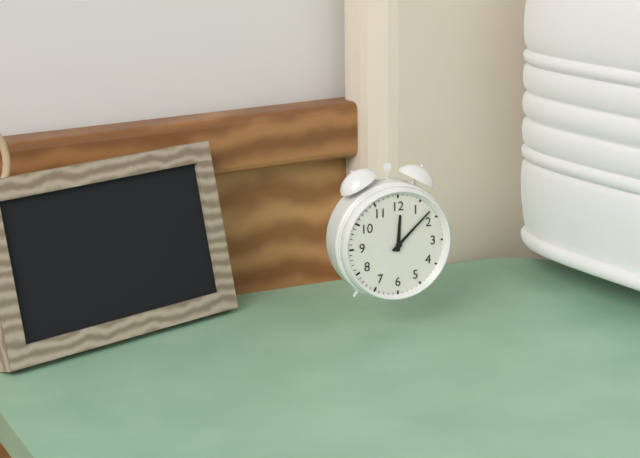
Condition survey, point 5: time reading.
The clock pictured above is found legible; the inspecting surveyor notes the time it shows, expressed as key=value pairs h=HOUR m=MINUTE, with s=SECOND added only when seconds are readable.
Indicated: h=12 m=8
